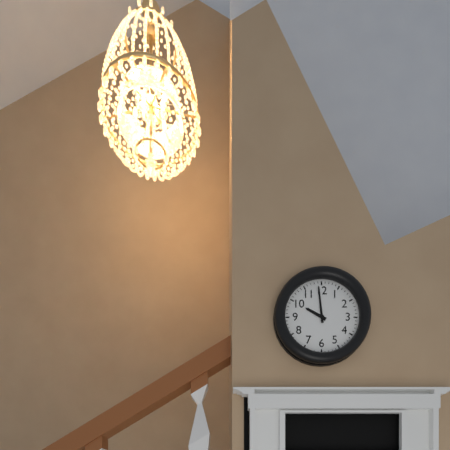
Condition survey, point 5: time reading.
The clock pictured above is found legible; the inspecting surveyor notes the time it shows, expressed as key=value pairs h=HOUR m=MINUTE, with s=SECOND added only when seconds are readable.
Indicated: h=9 m=59
